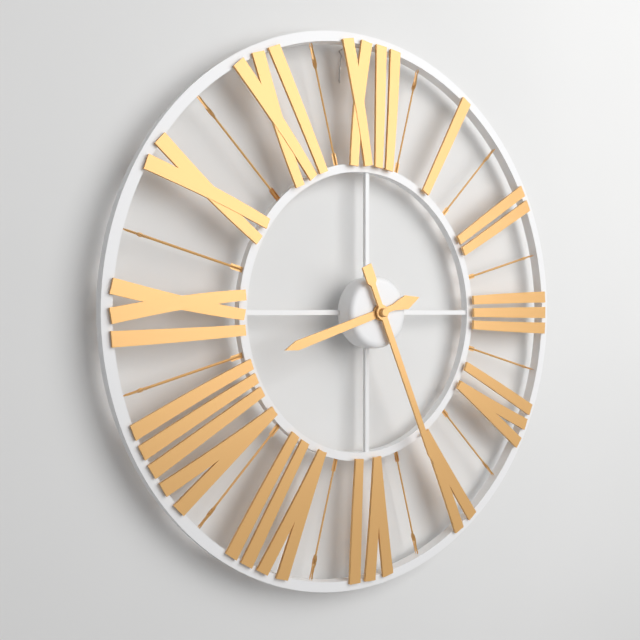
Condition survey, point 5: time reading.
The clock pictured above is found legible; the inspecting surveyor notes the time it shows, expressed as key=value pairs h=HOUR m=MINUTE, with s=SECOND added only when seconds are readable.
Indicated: h=8 m=26
